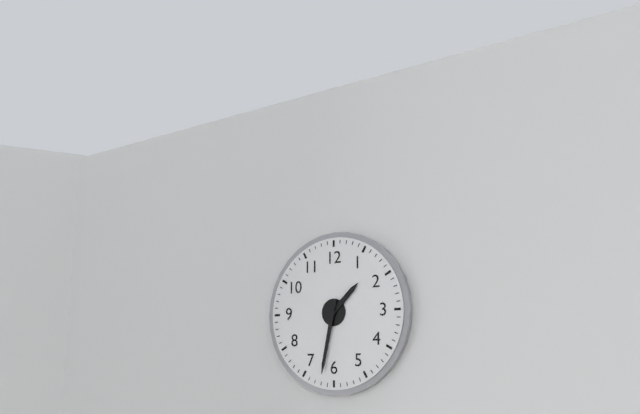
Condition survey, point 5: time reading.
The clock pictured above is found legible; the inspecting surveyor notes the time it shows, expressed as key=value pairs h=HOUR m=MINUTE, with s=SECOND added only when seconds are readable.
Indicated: h=1 m=32
